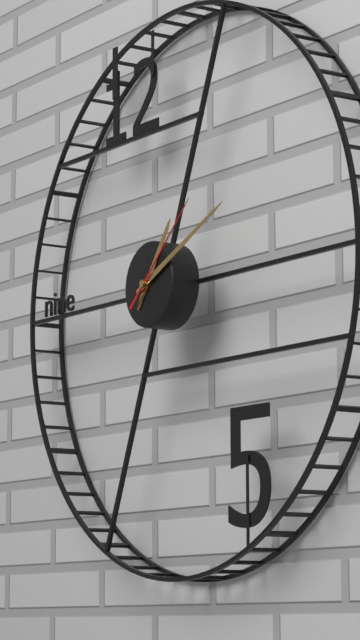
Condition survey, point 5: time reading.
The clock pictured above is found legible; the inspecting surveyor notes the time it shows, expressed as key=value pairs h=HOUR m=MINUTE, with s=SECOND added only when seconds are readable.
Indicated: h=1 m=11 s=8
